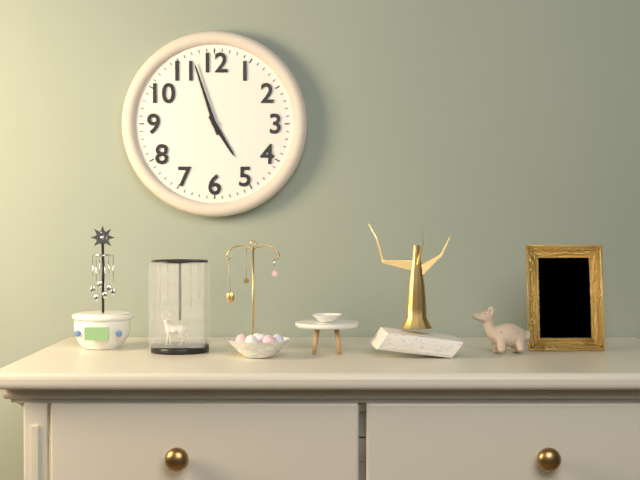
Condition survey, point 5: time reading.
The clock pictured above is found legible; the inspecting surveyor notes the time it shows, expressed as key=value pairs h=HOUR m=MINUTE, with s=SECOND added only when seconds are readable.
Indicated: h=4 m=57
